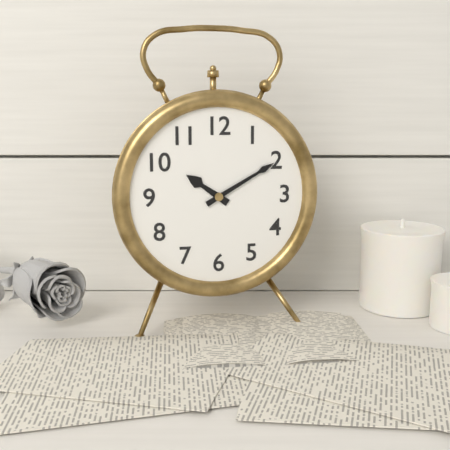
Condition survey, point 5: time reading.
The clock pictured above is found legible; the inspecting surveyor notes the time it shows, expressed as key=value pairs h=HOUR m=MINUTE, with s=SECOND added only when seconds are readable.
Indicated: h=10 m=10
